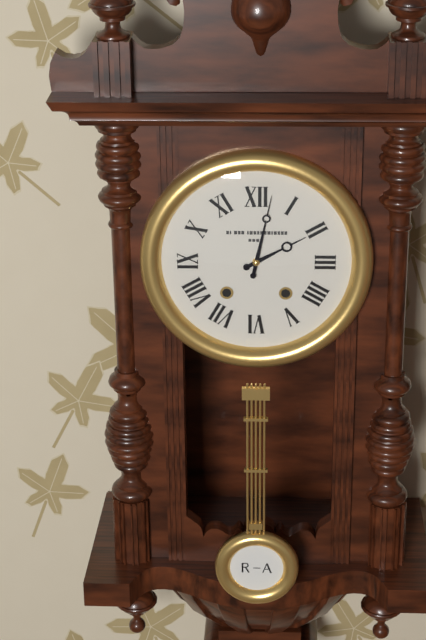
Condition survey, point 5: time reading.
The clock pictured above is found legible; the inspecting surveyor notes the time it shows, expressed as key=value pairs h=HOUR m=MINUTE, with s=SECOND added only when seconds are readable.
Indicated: h=2 m=2
